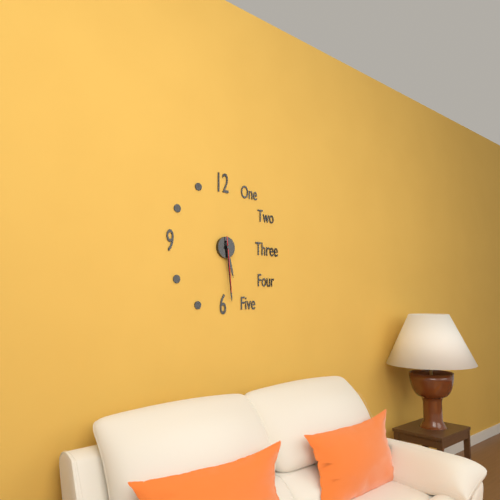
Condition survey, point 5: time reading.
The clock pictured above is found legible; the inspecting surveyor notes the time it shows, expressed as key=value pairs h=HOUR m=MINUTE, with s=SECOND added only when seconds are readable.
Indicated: h=5 m=29 s=29
